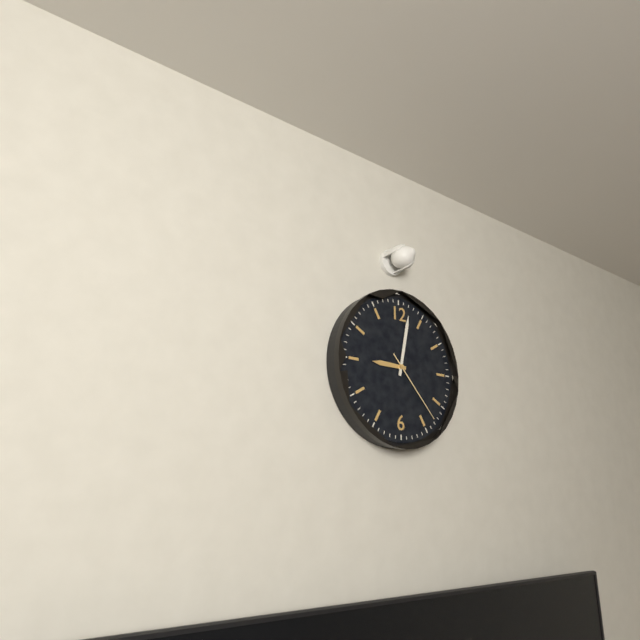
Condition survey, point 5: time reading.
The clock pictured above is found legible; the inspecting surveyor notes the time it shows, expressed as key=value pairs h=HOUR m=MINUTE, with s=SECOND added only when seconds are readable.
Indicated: h=9 m=2 s=23
